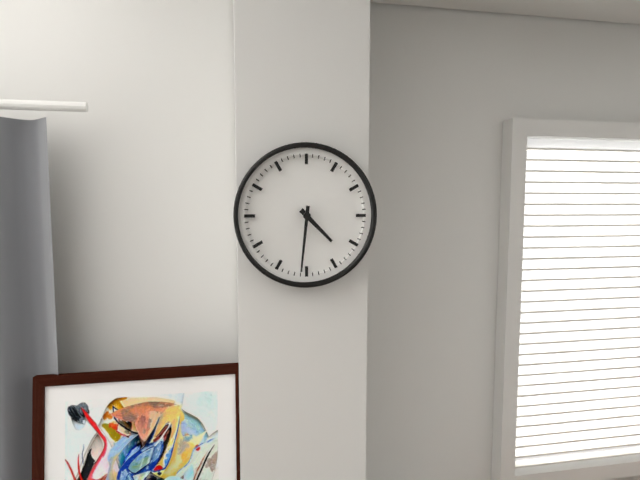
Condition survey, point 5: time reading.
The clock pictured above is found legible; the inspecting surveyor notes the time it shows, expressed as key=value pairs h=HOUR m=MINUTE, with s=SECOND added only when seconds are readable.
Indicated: h=4 m=31
